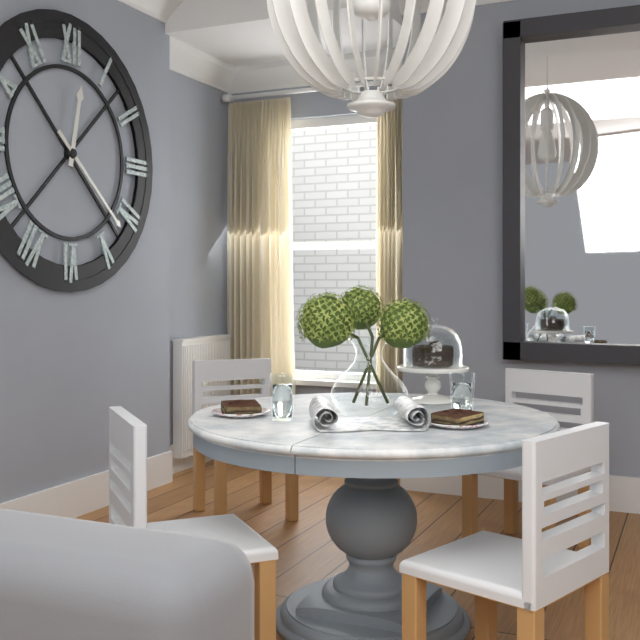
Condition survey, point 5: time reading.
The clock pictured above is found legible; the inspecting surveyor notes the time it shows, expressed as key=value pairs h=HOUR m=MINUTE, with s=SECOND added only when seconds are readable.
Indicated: h=12 m=22
